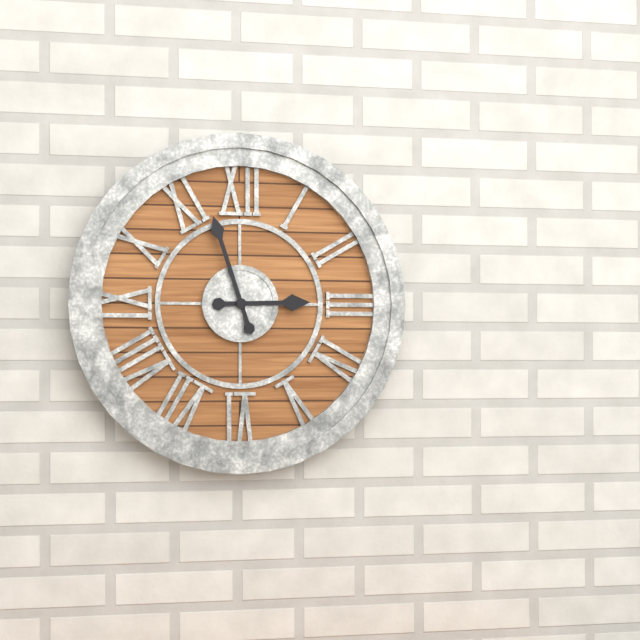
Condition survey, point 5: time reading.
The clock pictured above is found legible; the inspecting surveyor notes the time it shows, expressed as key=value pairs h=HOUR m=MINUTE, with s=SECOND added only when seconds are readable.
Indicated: h=2 m=57
